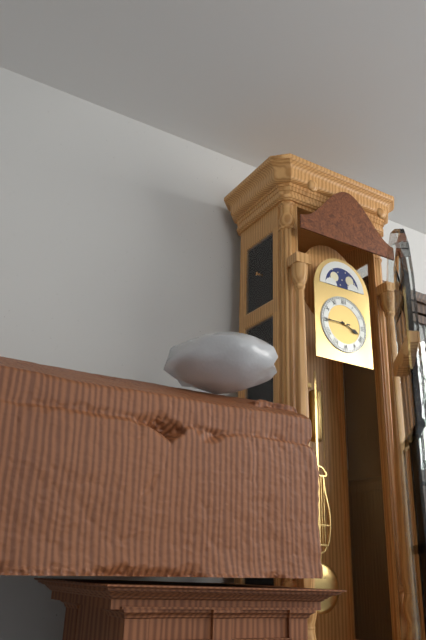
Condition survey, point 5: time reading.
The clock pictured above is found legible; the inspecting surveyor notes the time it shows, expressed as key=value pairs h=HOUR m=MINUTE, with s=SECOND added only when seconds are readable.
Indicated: h=3 m=45
